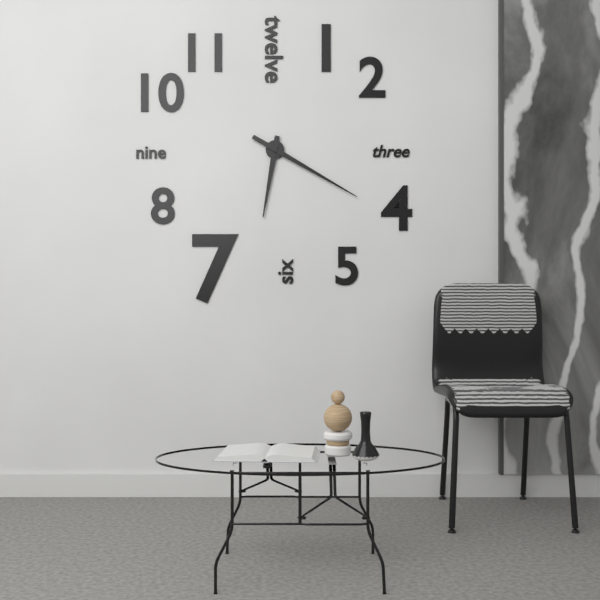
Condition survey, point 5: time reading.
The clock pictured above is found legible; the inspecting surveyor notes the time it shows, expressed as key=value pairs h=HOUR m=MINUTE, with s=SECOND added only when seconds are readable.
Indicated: h=6 m=20
